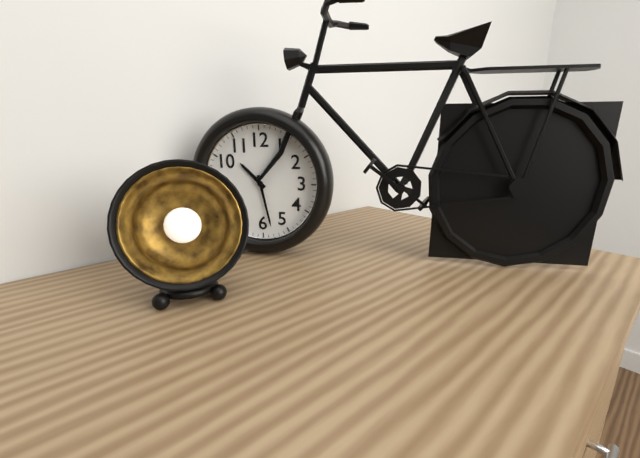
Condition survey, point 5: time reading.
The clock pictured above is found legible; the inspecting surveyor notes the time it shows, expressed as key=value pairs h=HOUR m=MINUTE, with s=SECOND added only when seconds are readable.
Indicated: h=10 m=28
